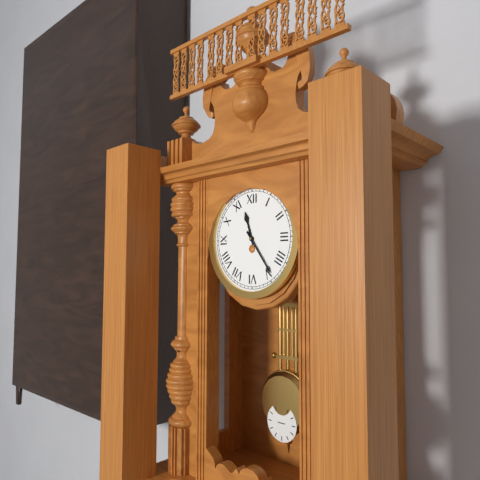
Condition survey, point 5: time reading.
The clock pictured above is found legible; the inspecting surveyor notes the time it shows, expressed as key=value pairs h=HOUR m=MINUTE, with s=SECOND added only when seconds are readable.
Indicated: h=11 m=24
